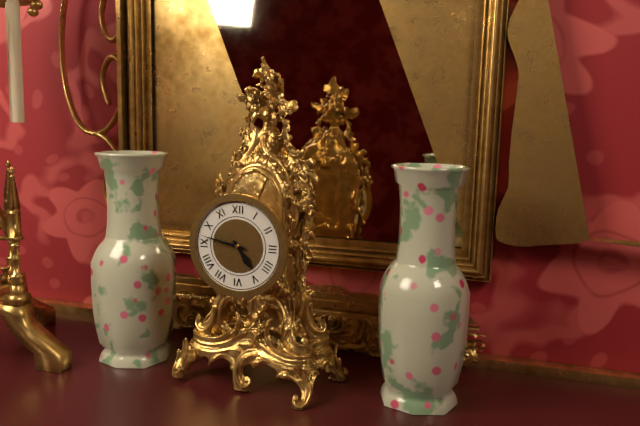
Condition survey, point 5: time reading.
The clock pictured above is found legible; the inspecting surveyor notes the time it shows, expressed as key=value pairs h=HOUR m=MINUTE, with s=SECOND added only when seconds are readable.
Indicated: h=4 m=47
